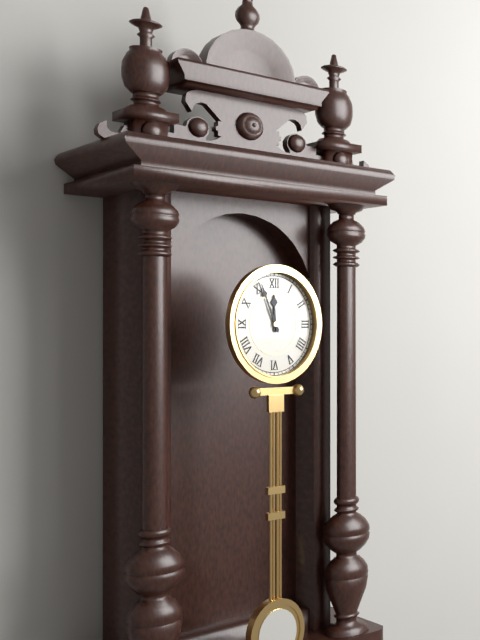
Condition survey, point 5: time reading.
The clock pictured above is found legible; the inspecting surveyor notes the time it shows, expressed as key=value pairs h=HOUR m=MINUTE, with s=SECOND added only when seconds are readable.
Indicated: h=11 m=56
